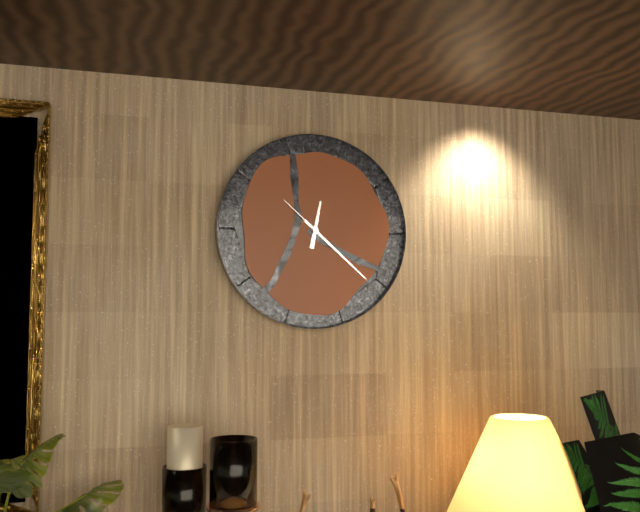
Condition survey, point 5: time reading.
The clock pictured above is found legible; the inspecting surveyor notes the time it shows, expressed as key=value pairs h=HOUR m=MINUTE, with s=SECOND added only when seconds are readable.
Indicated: h=12 m=22 s=52
